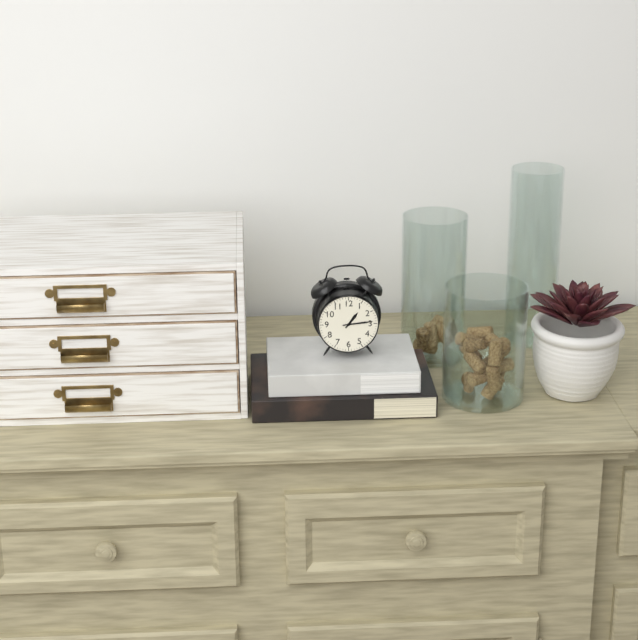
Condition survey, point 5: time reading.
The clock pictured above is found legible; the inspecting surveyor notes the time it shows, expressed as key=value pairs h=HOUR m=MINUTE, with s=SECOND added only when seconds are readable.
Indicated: h=1 m=14
